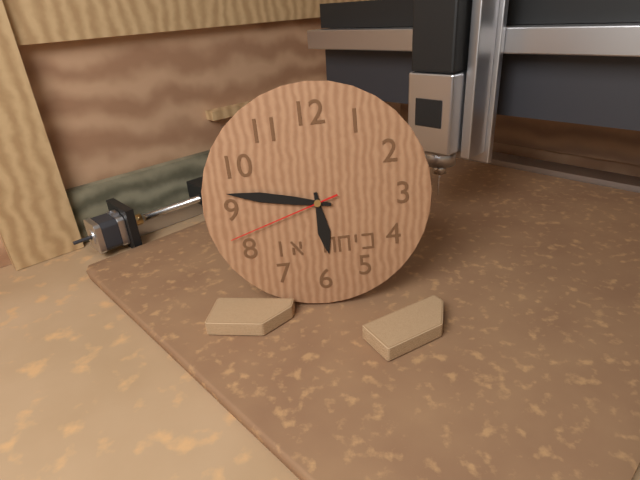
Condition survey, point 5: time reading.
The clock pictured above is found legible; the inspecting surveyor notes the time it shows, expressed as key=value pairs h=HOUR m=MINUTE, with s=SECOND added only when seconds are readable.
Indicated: h=5 m=47 s=42
